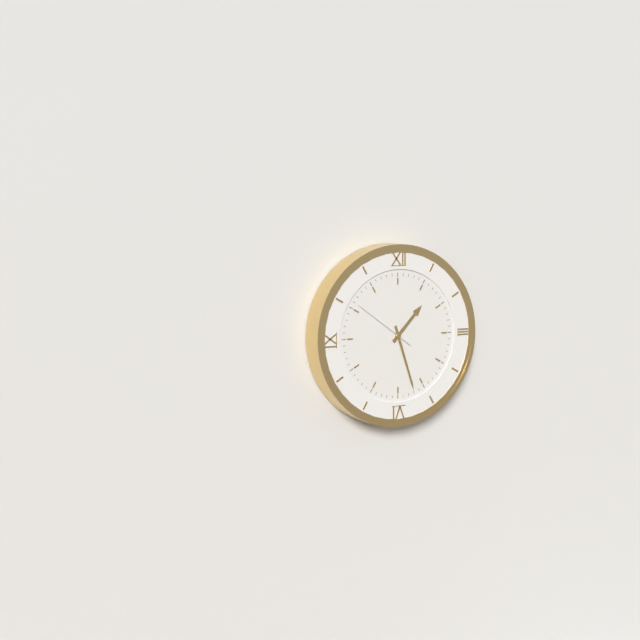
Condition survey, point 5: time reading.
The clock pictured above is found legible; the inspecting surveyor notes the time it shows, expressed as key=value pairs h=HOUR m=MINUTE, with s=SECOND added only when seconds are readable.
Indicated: h=1 m=27 s=51
